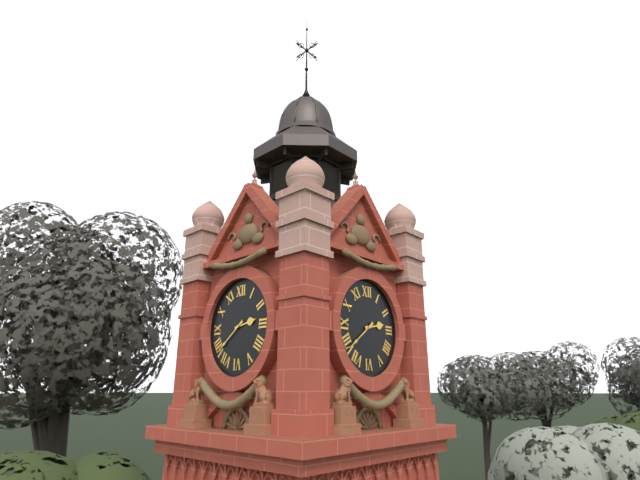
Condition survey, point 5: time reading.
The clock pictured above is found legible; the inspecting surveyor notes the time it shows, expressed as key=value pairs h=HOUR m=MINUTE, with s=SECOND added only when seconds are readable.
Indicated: h=2 m=39
